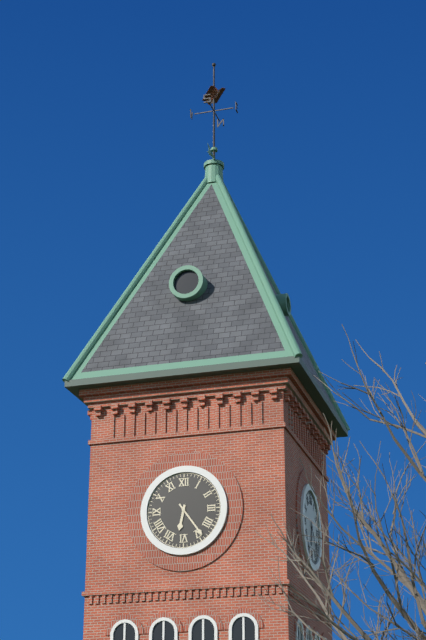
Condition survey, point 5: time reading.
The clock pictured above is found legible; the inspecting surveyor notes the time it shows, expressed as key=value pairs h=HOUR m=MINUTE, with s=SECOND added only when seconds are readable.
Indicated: h=6 m=24
